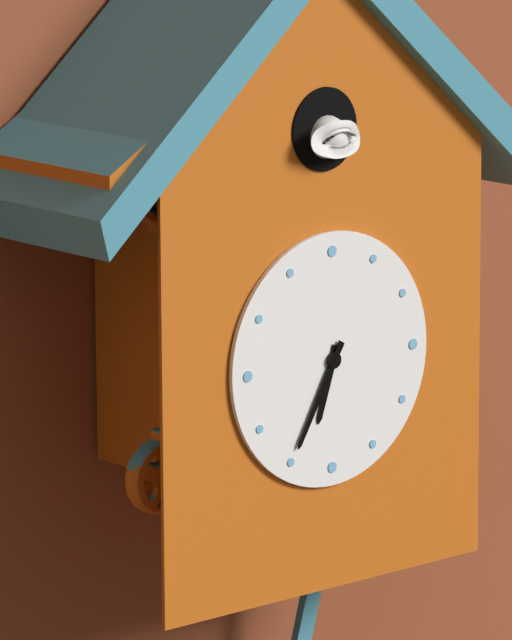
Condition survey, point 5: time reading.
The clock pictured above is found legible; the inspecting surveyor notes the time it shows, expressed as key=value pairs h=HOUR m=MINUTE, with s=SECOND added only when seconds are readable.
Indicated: h=6 m=35
